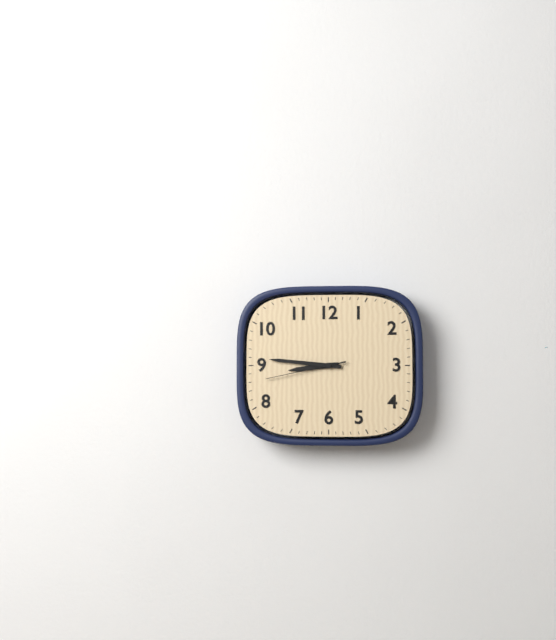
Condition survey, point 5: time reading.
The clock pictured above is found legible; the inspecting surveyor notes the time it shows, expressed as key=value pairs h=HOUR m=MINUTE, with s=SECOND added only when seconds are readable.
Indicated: h=8 m=46 s=43
